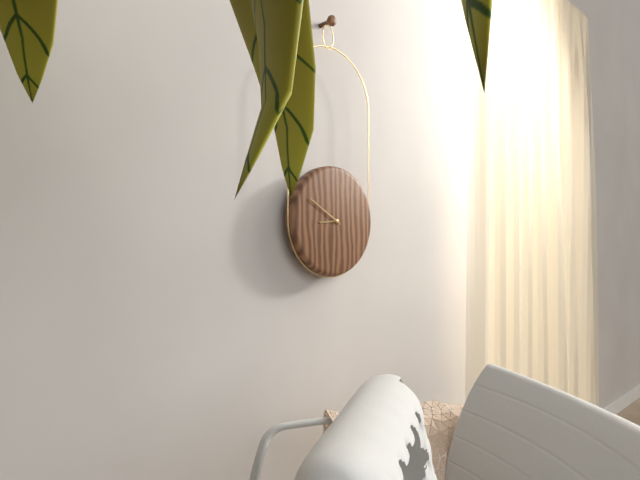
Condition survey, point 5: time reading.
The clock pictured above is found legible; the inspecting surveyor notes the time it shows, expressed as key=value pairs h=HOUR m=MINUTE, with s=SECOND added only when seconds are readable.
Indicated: h=8 m=50
